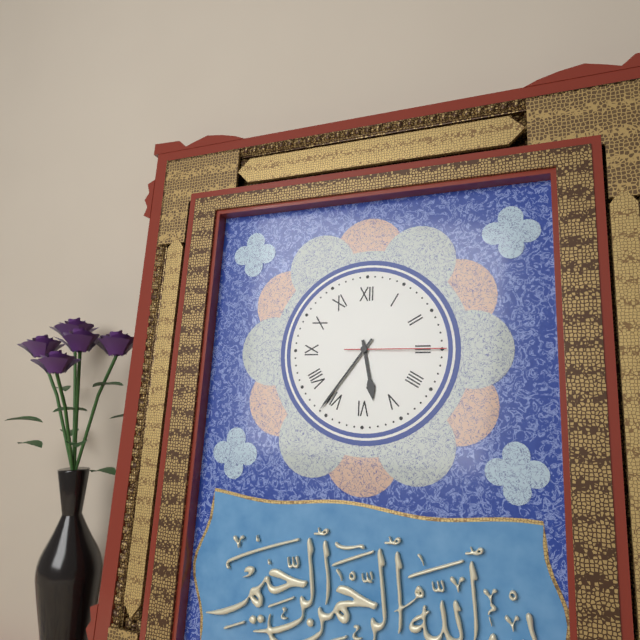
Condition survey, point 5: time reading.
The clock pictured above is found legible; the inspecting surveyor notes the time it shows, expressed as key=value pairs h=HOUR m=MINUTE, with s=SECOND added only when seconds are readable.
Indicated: h=5 m=36 s=15
